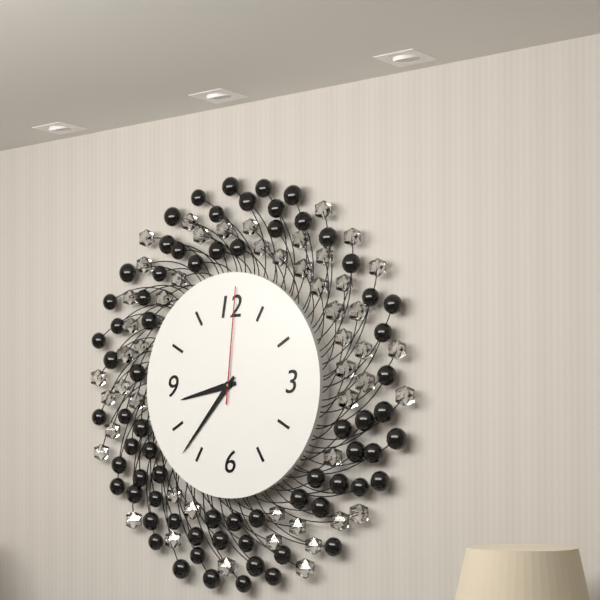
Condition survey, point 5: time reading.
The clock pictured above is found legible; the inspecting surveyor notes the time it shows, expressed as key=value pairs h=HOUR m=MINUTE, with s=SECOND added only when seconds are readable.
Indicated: h=8 m=37 s=1
